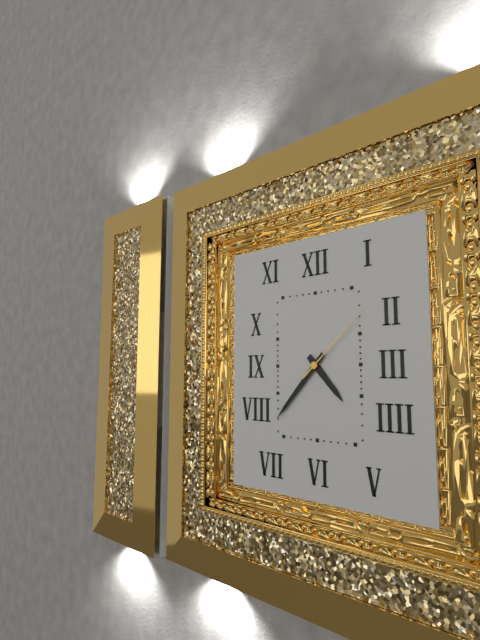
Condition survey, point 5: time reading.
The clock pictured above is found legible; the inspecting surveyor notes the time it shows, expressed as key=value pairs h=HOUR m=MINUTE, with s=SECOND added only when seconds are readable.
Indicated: h=4 m=37 s=8
